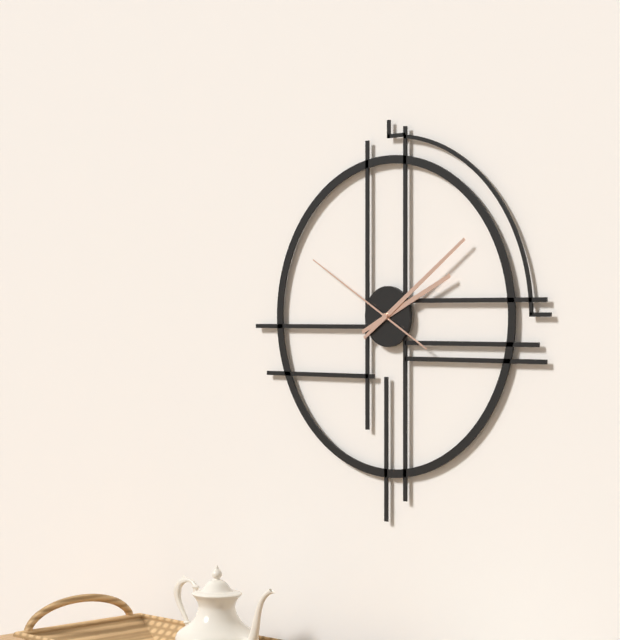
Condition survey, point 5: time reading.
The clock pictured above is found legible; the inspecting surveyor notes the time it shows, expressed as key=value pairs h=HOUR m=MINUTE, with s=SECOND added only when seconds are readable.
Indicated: h=2 m=9 s=50
